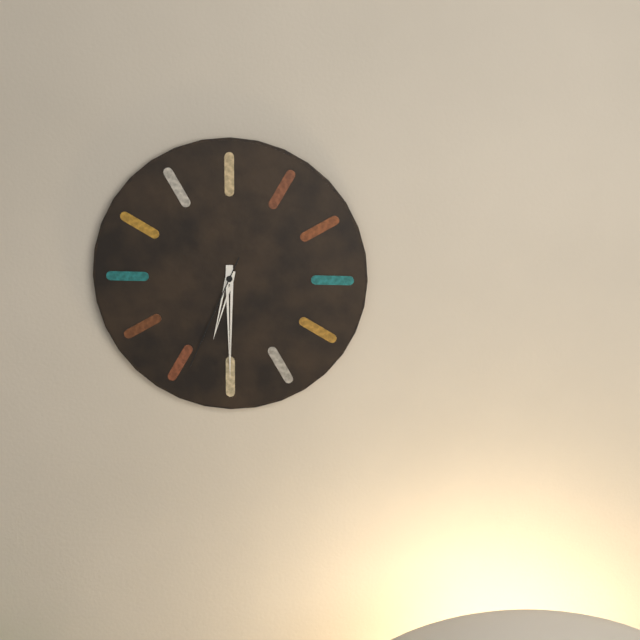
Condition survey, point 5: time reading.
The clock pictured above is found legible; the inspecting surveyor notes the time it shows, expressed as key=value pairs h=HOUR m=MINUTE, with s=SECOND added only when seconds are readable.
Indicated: h=6 m=30 s=34
